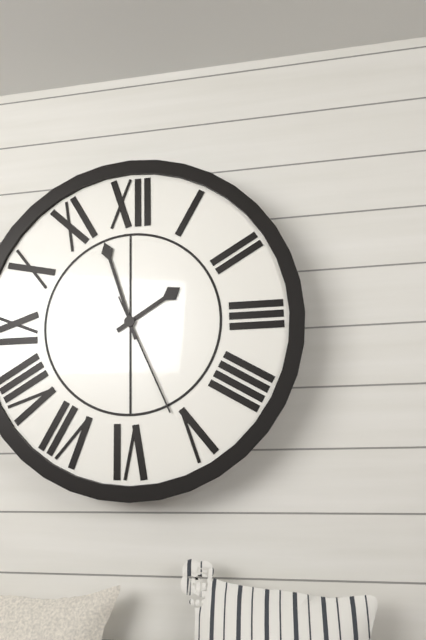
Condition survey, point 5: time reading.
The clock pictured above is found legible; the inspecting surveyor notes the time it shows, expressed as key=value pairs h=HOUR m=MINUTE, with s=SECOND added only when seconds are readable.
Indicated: h=1 m=57 s=26
